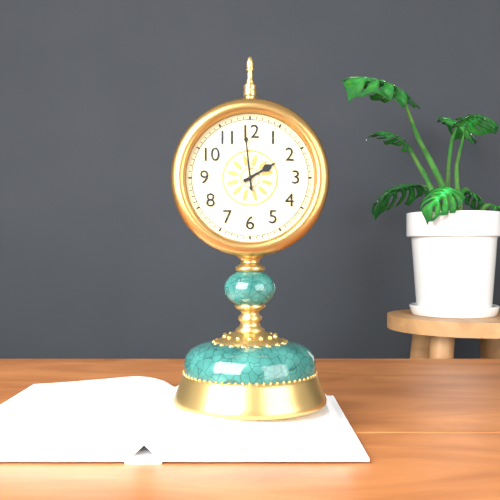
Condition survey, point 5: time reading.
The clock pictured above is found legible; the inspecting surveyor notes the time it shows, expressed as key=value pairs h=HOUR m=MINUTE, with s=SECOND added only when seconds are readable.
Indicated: h=1 m=59
